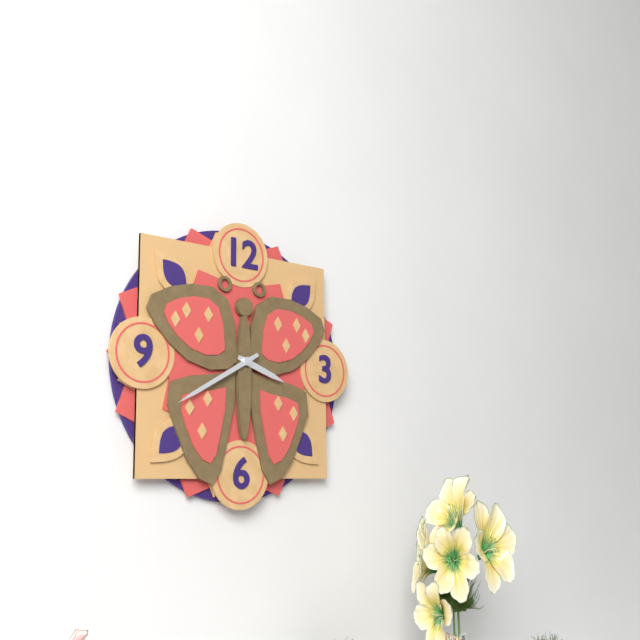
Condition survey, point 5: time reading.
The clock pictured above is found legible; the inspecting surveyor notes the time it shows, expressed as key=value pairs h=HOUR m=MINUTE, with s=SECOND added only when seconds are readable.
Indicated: h=3 m=40
